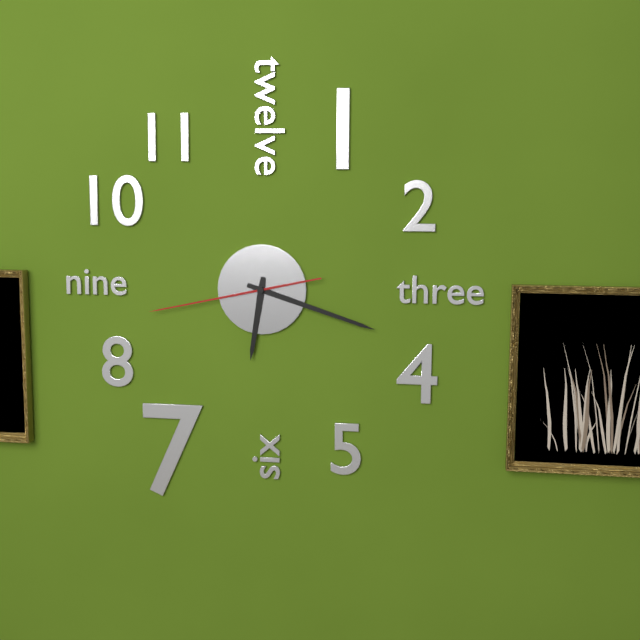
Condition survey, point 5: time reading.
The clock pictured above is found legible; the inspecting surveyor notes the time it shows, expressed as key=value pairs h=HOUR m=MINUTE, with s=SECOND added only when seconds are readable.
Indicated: h=6 m=18 s=43
